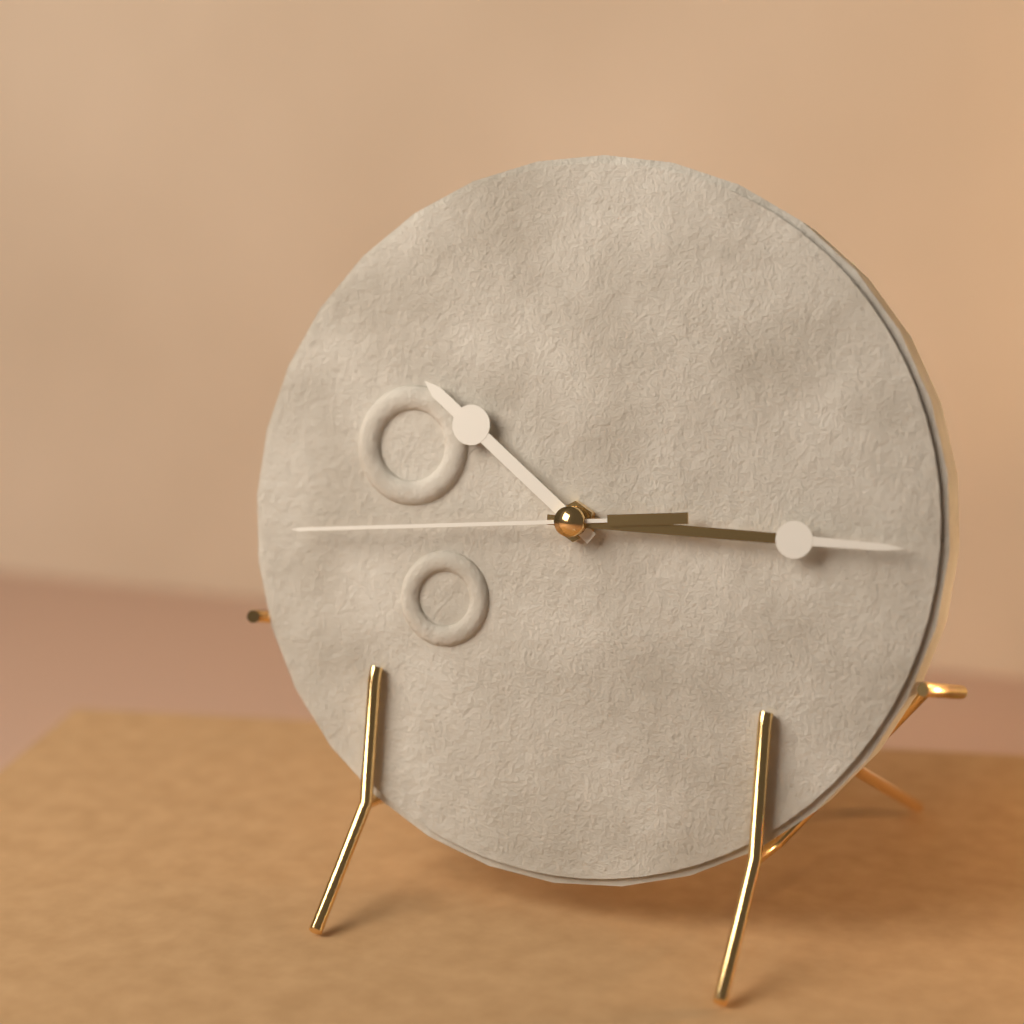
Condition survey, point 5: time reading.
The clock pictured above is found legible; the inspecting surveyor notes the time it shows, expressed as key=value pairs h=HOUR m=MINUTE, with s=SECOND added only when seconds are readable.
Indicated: h=10 m=15 s=44
